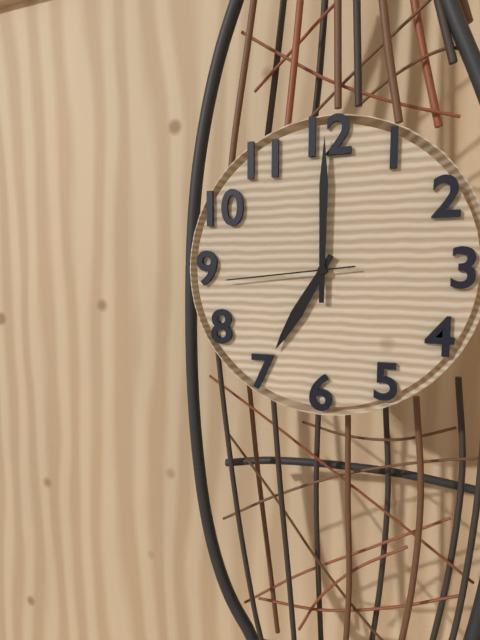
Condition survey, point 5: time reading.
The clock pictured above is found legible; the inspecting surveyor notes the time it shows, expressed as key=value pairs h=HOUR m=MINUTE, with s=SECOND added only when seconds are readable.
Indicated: h=7 m=0 s=44
